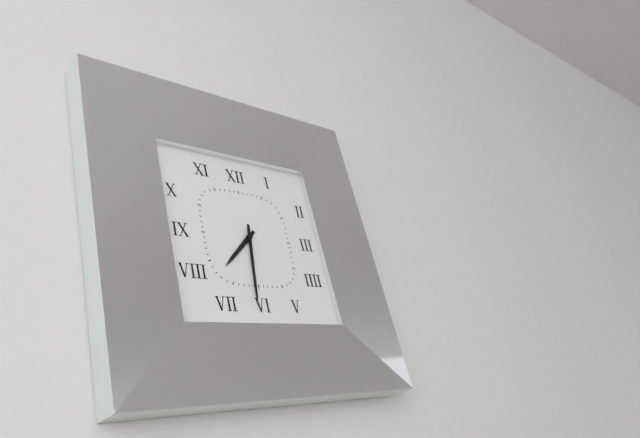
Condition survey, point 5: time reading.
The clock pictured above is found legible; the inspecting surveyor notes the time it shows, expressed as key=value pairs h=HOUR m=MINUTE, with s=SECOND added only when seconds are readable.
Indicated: h=7 m=31
